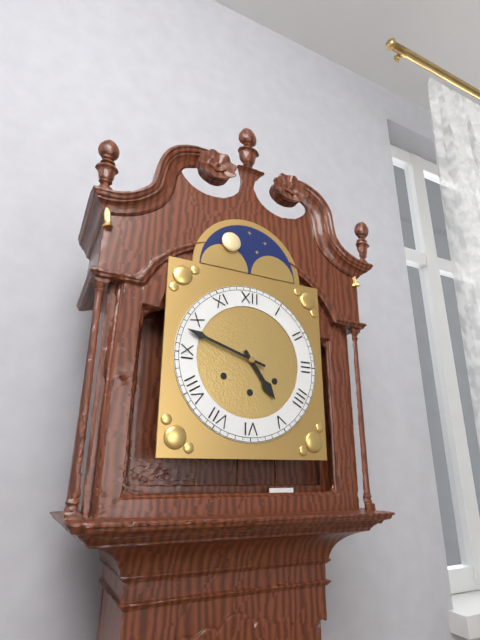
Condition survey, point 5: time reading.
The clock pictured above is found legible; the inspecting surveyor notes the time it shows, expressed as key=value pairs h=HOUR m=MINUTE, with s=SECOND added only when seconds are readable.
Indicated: h=4 m=48
